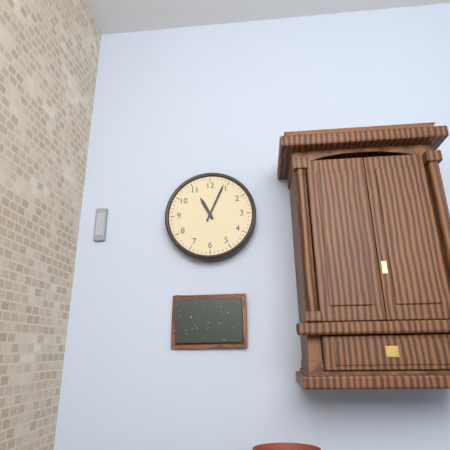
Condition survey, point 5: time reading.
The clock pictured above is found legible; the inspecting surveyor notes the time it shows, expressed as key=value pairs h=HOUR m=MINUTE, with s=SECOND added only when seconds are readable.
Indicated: h=11 m=4
